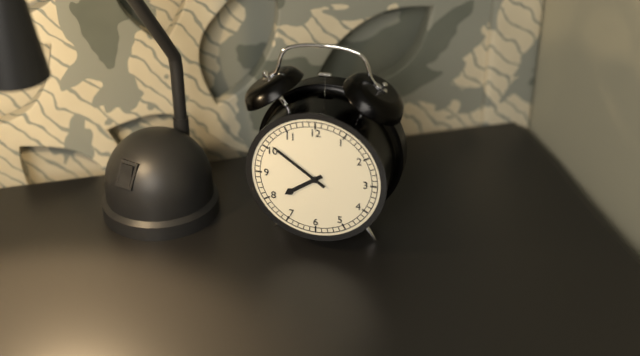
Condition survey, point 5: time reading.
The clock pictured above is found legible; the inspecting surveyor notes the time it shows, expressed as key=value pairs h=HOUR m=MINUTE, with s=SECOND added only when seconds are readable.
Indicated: h=7 m=51
